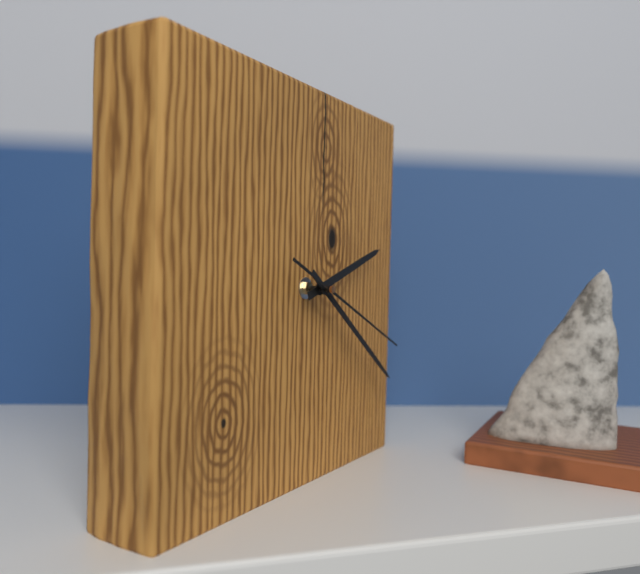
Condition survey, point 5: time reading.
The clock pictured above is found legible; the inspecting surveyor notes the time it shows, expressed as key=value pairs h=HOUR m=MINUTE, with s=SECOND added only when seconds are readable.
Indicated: h=2 m=21 s=19
